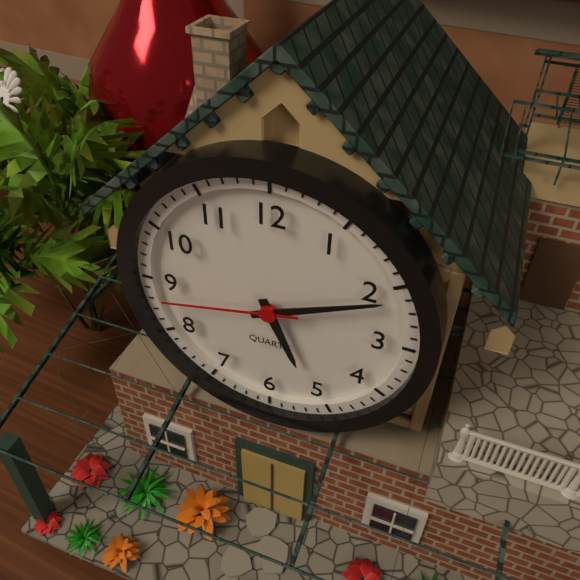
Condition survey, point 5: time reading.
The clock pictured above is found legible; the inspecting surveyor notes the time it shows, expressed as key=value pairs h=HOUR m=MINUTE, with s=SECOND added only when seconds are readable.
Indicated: h=5 m=11 s=43
